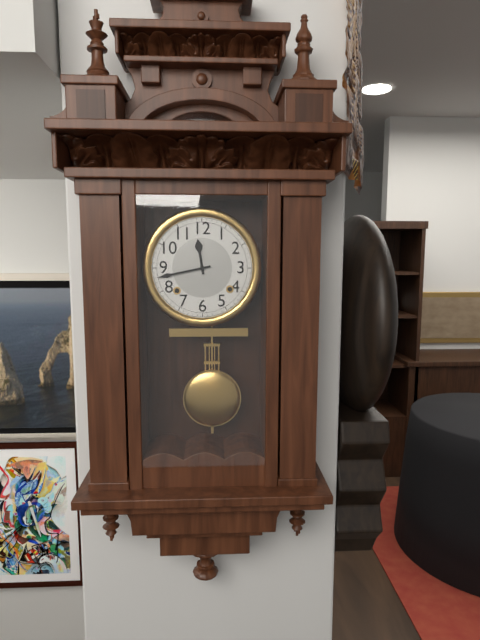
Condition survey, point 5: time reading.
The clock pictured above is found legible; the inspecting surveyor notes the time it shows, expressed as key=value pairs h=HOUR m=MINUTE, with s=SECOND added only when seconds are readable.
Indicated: h=11 m=43
